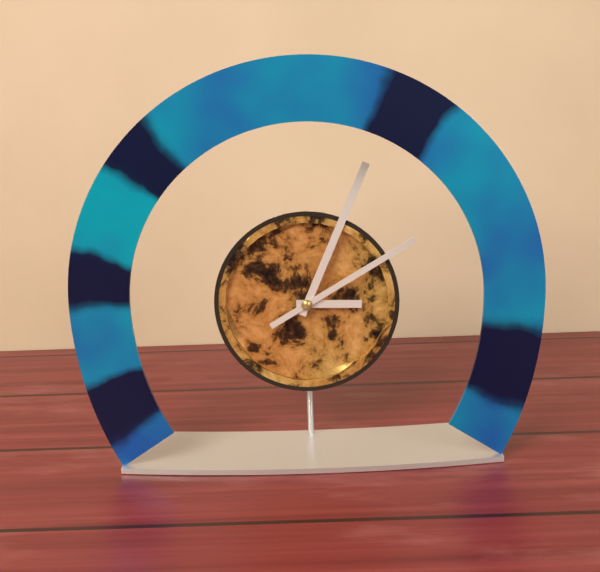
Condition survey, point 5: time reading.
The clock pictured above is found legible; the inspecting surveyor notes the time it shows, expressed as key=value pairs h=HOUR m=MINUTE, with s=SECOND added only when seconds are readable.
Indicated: h=3 m=4 s=10
